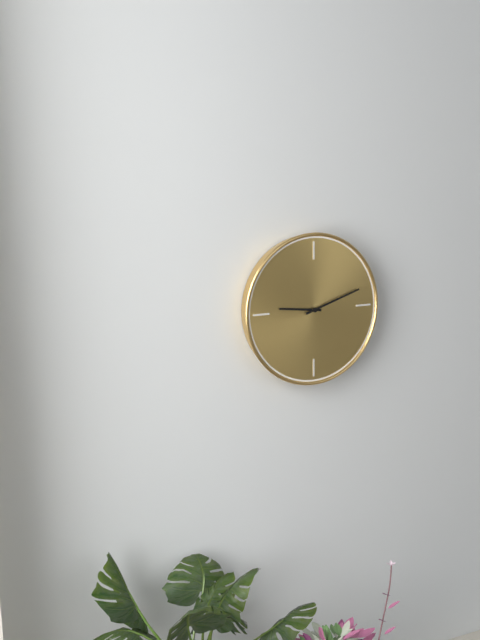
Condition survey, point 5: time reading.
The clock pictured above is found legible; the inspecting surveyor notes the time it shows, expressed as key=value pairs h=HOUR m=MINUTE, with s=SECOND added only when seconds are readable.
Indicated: h=9 m=12
